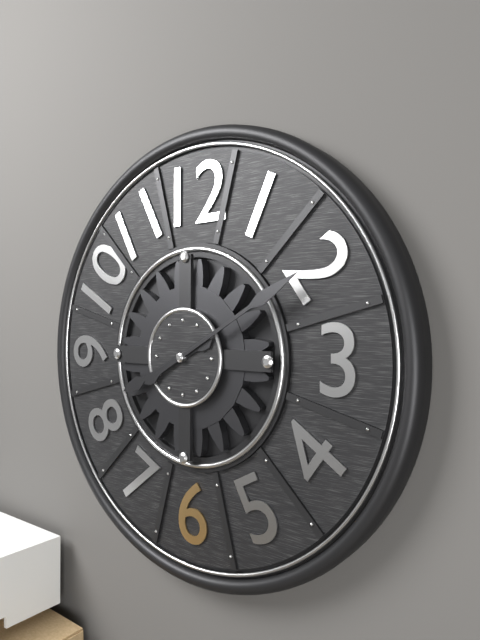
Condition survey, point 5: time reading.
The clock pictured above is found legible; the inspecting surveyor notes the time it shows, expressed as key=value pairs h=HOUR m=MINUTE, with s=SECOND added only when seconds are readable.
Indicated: h=8 m=10
